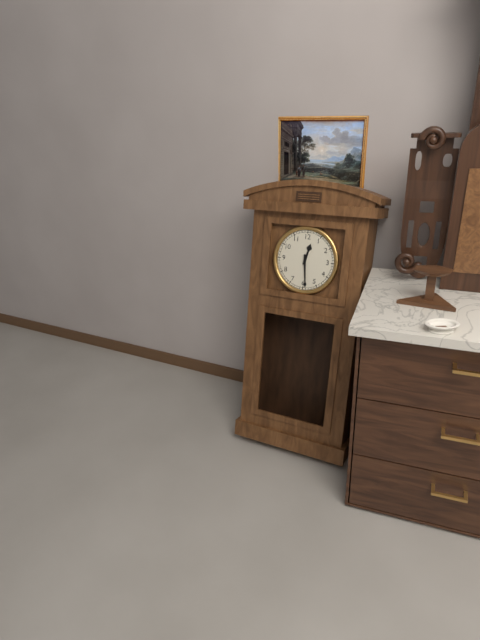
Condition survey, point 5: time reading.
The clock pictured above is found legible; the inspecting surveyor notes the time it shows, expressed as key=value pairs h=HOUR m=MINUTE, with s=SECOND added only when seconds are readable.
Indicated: h=12 m=29
